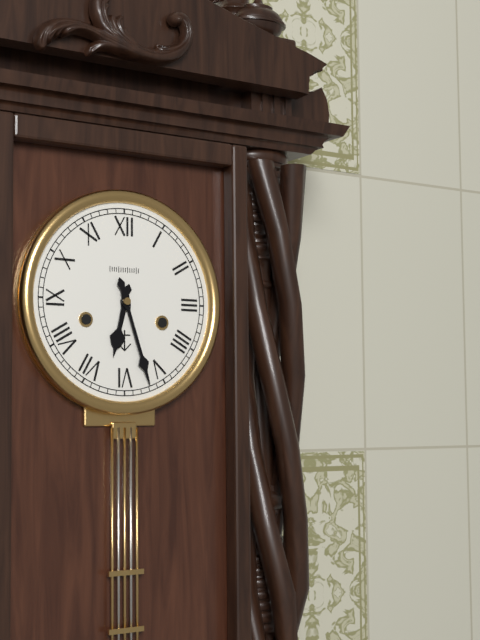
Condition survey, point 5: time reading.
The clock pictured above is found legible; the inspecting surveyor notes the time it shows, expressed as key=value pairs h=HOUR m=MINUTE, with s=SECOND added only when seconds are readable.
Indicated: h=6 m=27
